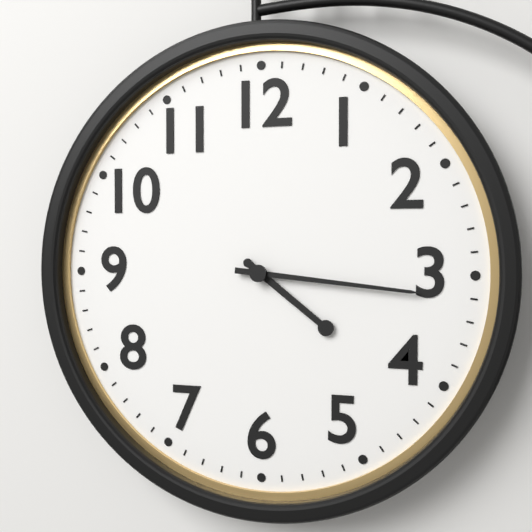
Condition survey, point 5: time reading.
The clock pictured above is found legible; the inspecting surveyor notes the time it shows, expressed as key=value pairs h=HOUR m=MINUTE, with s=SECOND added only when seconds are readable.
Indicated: h=4 m=16
